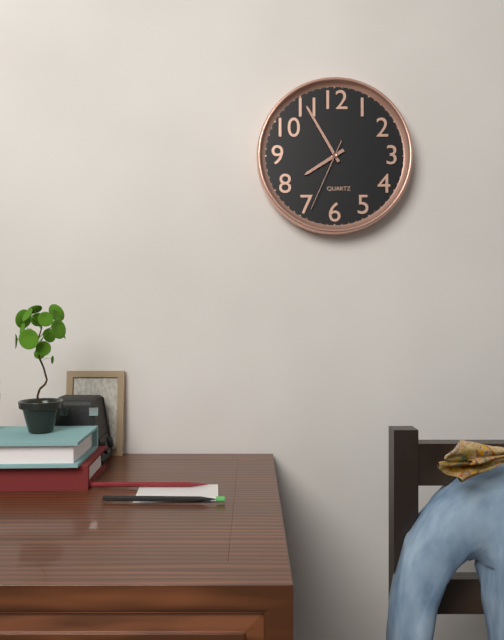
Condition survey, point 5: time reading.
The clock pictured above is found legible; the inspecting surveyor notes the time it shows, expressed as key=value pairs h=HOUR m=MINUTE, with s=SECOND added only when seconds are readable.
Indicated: h=7 m=55 s=34
